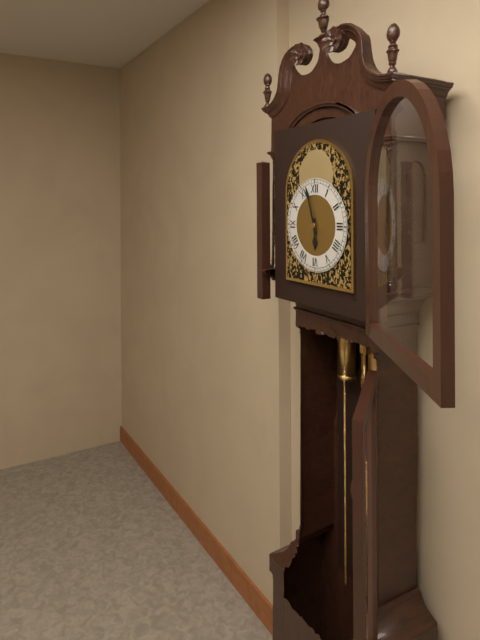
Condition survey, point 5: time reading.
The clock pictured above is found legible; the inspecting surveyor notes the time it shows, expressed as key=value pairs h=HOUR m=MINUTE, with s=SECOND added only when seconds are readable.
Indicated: h=5 m=57
